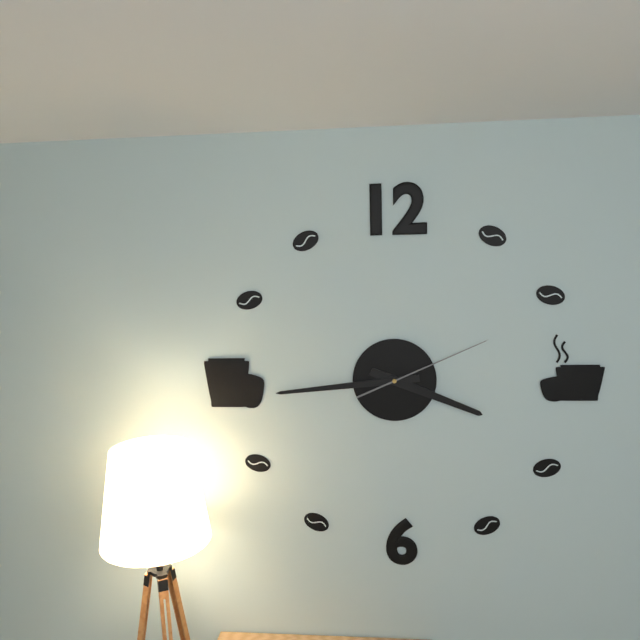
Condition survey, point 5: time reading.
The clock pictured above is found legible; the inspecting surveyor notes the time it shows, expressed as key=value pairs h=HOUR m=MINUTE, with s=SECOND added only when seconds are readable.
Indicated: h=3 m=44 s=11
